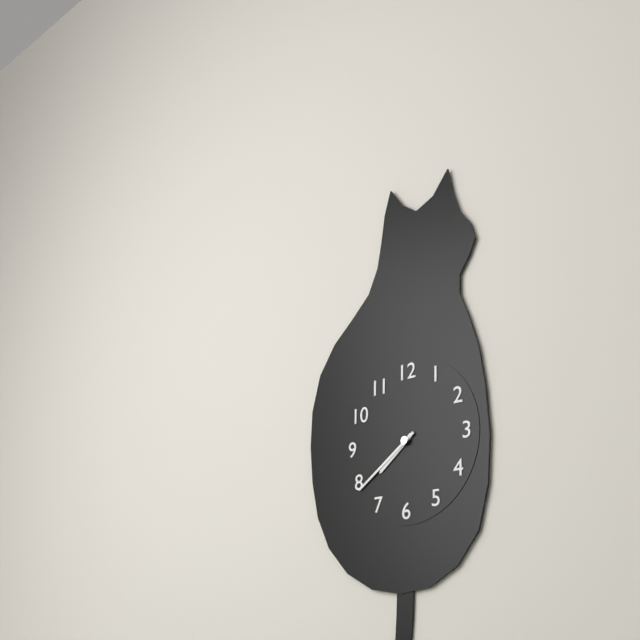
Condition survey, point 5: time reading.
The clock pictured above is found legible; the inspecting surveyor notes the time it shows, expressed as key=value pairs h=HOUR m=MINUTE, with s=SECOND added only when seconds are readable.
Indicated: h=7 m=39
